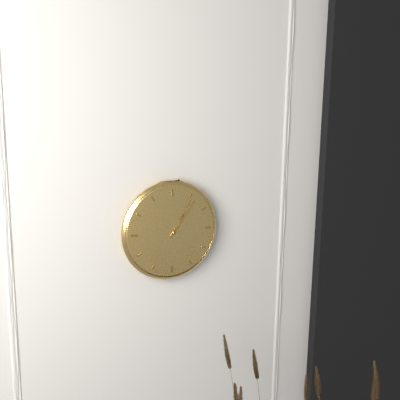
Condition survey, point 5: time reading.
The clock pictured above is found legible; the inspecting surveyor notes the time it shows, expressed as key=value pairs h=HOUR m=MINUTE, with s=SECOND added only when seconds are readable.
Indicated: h=1 m=6
